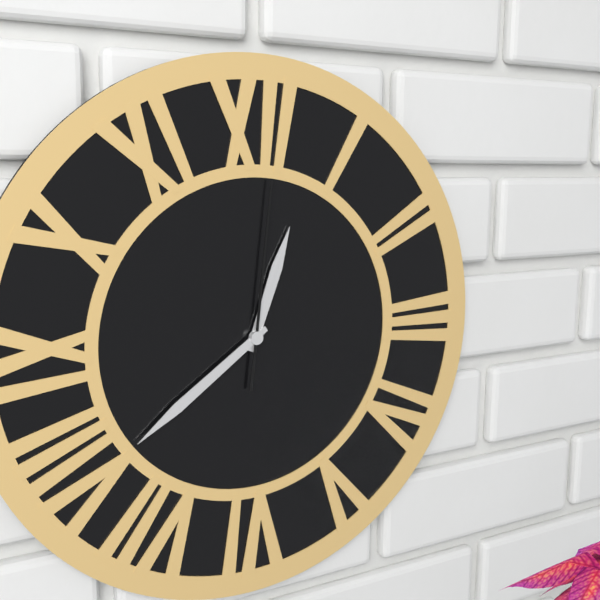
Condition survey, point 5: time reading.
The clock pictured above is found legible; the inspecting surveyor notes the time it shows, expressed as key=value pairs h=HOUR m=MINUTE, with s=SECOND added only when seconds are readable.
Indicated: h=12 m=39 s=1
